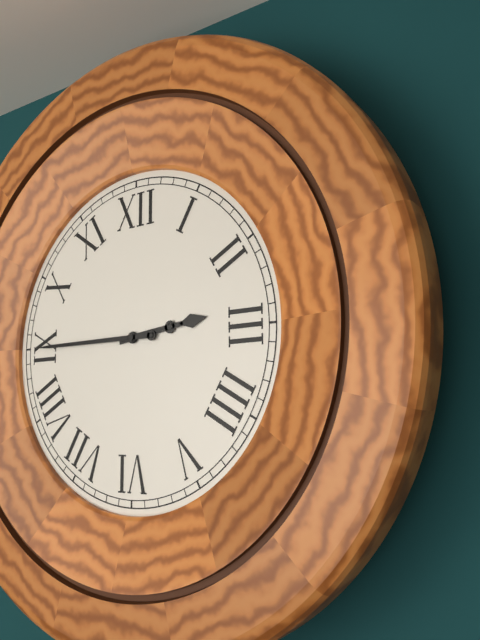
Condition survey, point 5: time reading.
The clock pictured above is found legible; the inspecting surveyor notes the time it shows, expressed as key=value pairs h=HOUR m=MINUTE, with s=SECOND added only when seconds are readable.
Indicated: h=2 m=45
